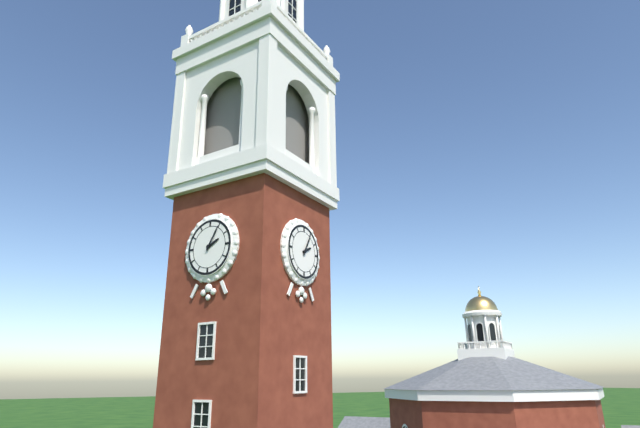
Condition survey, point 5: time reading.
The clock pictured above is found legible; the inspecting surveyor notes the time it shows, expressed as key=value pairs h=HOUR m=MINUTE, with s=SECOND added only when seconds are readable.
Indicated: h=2 m=5
